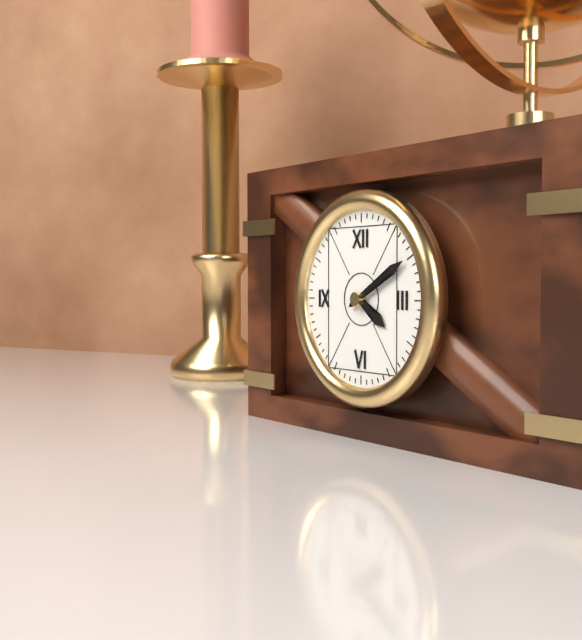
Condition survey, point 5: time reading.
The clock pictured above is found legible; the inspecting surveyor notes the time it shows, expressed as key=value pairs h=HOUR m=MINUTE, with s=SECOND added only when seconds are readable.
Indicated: h=4 m=10
